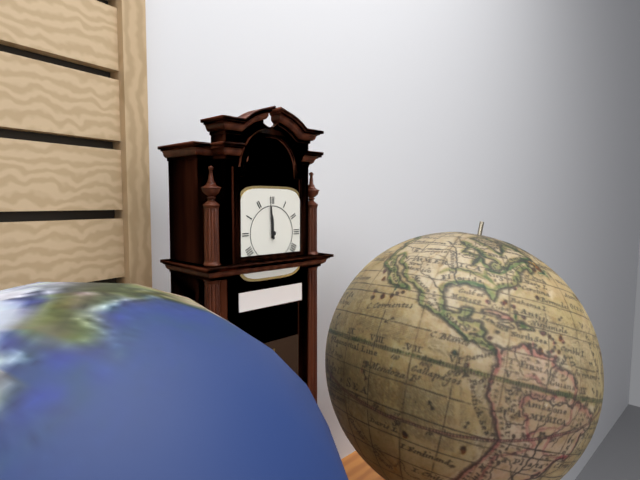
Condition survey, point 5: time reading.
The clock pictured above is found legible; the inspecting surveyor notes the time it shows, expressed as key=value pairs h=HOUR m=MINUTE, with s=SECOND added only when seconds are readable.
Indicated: h=11 m=59
